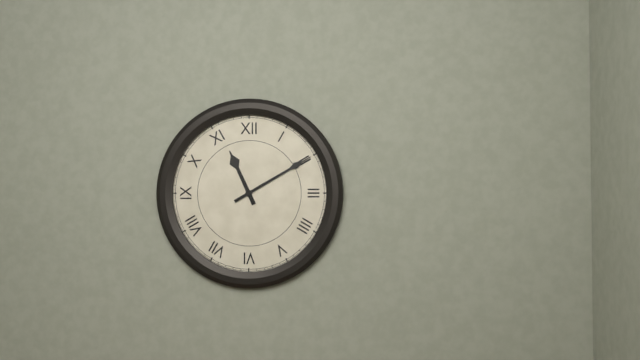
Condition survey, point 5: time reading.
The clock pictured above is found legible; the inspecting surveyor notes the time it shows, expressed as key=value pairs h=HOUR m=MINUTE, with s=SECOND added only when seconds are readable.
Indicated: h=11 m=10
